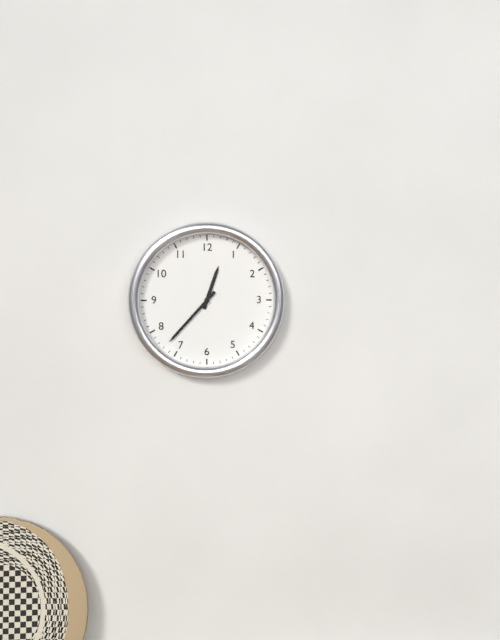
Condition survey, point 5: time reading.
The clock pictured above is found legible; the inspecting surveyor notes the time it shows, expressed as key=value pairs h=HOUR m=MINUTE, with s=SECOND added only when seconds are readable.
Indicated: h=12 m=37
